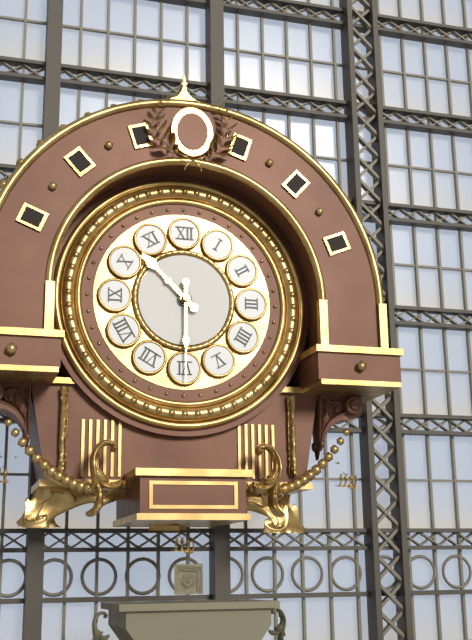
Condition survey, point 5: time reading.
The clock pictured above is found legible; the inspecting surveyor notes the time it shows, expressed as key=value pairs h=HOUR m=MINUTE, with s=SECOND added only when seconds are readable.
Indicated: h=10 m=30
